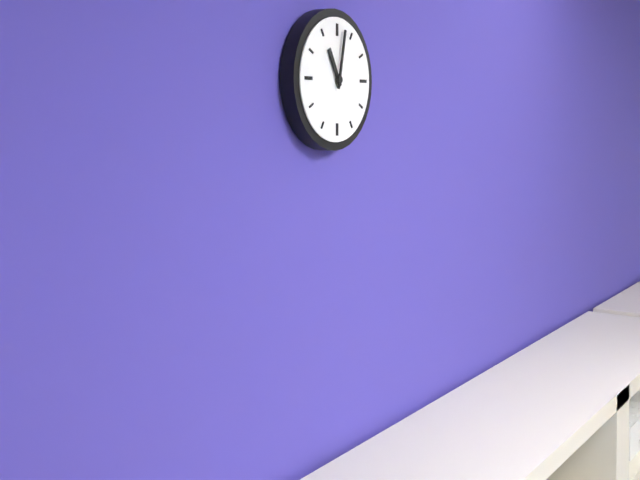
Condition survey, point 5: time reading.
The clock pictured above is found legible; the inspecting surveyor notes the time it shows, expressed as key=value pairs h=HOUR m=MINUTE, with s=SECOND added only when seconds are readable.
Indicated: h=11 m=2
